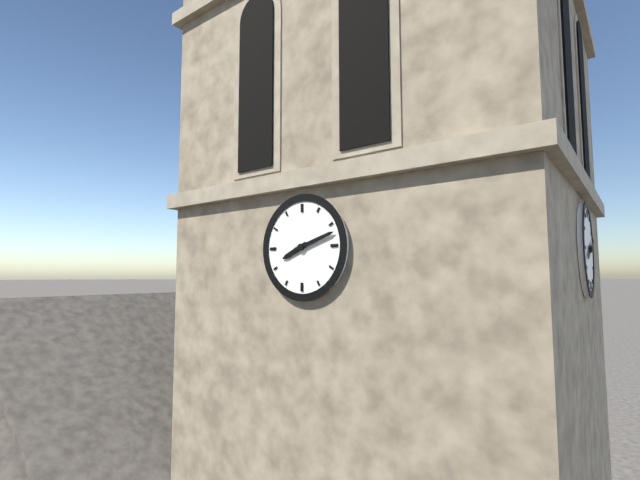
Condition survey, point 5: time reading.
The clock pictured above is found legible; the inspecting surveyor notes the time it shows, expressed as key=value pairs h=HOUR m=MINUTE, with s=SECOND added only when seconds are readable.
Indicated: h=8 m=12
